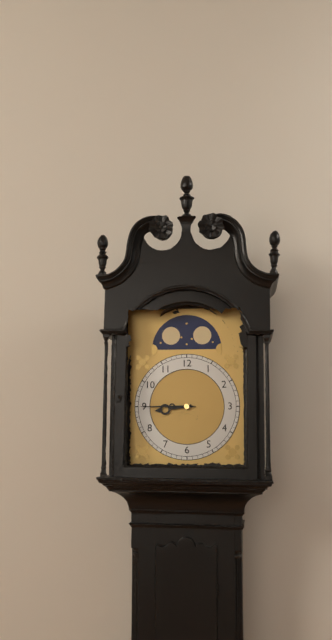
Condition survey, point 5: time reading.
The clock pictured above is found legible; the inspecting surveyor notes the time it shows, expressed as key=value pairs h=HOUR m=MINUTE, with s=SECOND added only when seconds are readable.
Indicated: h=8 m=45
